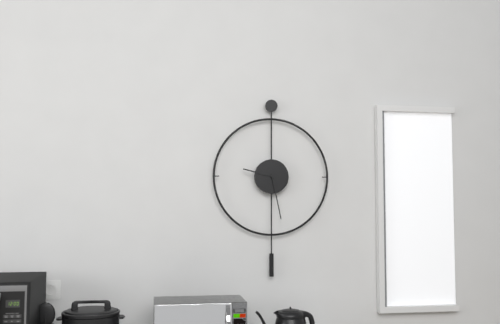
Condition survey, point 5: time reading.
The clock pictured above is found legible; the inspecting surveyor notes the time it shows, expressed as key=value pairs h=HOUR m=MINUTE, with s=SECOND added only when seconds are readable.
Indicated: h=9 m=28
